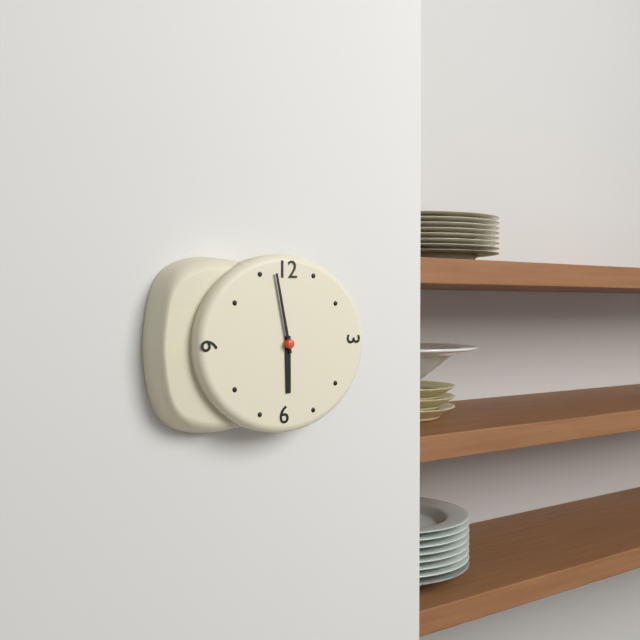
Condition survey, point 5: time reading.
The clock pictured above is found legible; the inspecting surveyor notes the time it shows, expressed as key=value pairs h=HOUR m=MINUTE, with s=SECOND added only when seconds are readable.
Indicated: h=5 m=58
